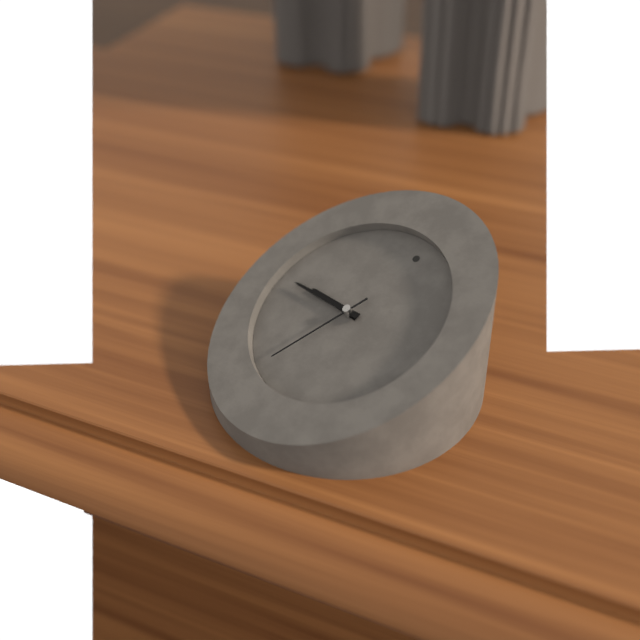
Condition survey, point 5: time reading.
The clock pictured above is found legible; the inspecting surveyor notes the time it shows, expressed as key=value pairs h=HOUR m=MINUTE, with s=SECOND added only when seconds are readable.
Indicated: h=8 m=43 s=32
